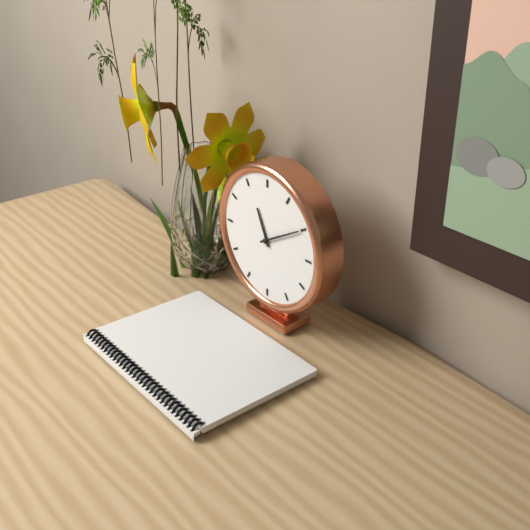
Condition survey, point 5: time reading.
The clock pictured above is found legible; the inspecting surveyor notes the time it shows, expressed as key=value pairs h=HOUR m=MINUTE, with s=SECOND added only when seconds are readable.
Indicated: h=11 m=10
